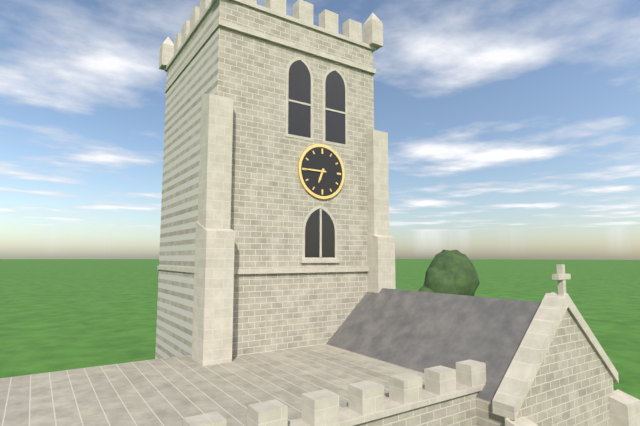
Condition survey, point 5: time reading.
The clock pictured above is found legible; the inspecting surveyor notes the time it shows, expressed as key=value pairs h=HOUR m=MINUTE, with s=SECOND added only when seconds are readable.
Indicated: h=6 m=45
